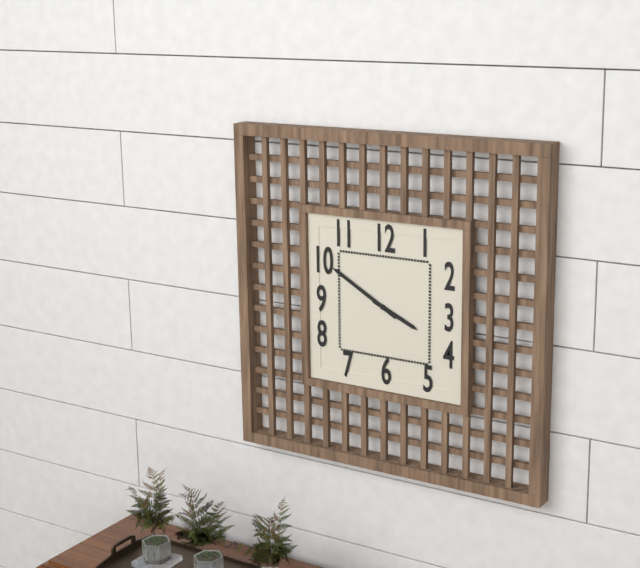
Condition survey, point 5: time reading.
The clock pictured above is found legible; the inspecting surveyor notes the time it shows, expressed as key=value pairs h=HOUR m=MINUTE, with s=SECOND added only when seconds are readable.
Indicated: h=3 m=50
